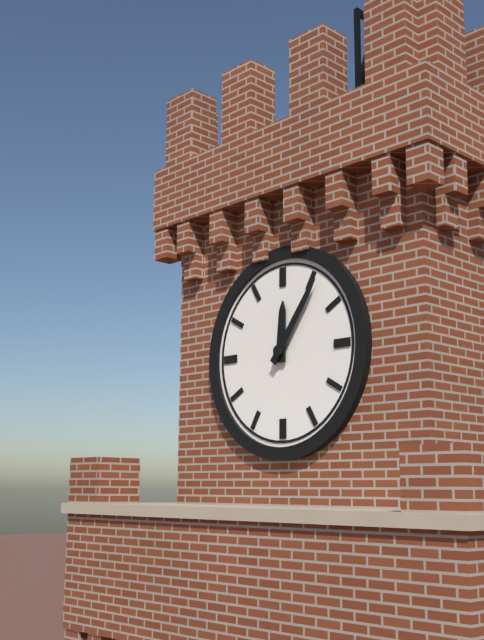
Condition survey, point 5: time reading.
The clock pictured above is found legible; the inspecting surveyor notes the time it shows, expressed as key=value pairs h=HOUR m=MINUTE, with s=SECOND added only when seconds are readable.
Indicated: h=12 m=6
